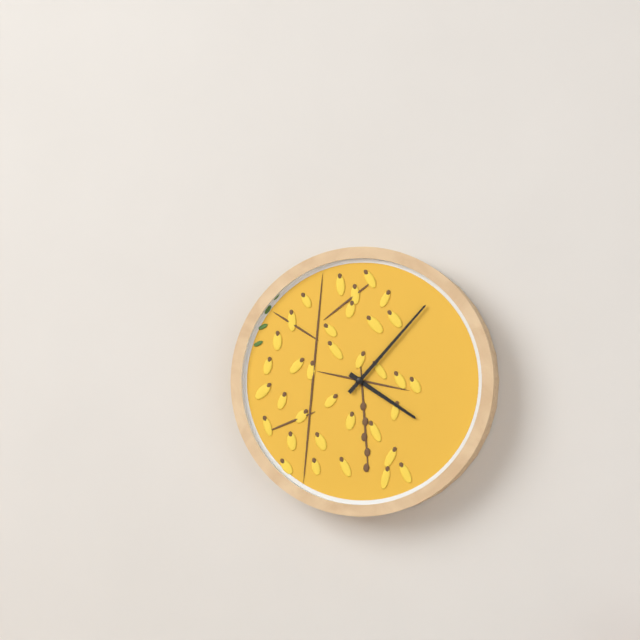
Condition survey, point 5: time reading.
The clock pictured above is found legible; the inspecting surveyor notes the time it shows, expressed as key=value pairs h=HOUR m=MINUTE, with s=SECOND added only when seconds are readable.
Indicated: h=4 m=7
